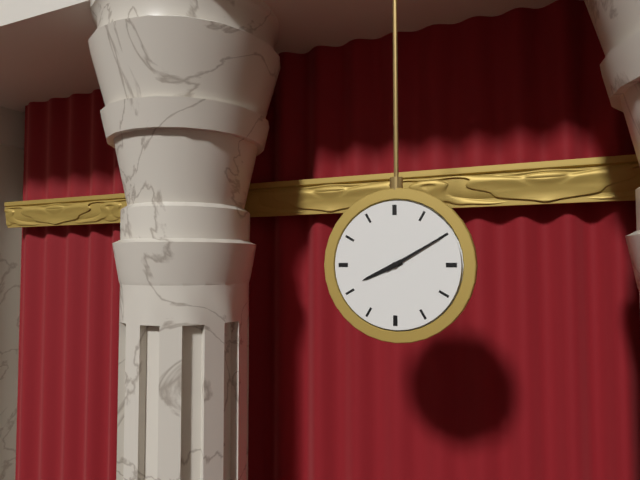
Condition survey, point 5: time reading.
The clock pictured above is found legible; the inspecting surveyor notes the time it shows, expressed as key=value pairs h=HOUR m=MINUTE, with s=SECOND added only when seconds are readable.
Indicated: h=8 m=10
